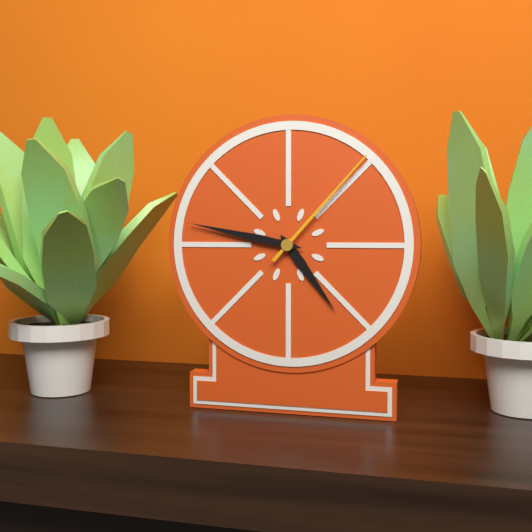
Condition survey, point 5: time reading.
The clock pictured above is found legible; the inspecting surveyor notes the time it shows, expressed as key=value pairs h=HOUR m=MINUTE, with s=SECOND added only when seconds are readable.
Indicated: h=4 m=47 s=7
